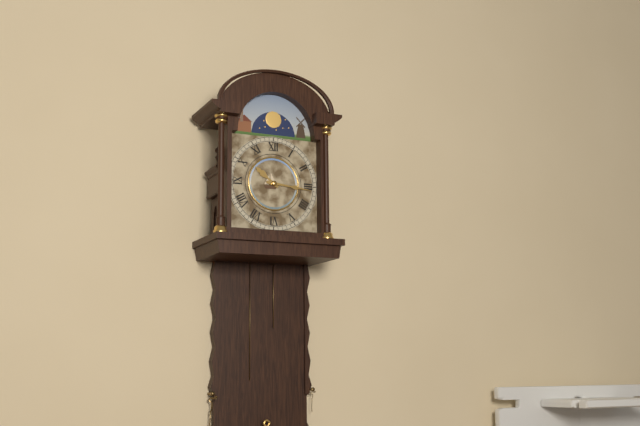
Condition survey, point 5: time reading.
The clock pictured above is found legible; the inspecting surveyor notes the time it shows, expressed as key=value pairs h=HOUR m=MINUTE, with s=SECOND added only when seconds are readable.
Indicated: h=10 m=16
